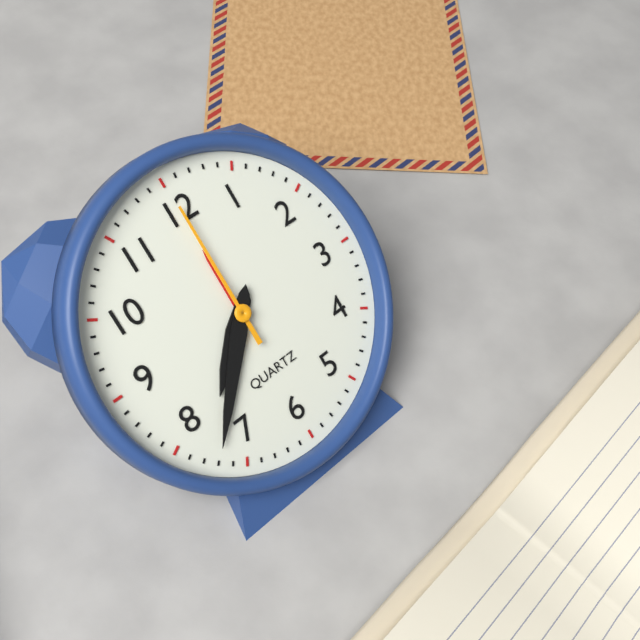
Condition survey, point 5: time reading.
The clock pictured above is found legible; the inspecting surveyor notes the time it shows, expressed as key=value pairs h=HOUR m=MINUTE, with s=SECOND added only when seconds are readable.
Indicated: h=7 m=37 s=0
